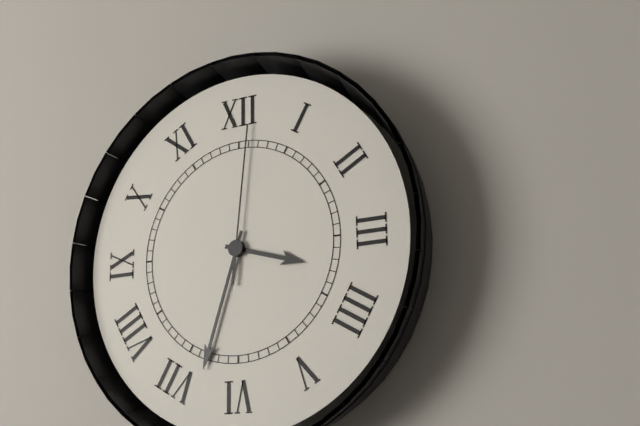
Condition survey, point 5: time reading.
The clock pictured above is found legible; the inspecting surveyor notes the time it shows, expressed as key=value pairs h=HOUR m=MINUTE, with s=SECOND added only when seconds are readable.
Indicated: h=3 m=33 s=1
